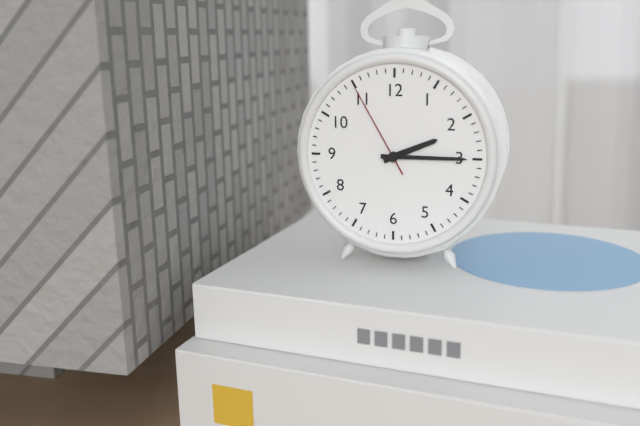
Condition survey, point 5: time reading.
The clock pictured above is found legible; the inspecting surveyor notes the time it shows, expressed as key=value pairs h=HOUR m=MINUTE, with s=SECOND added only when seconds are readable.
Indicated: h=2 m=15 s=55
